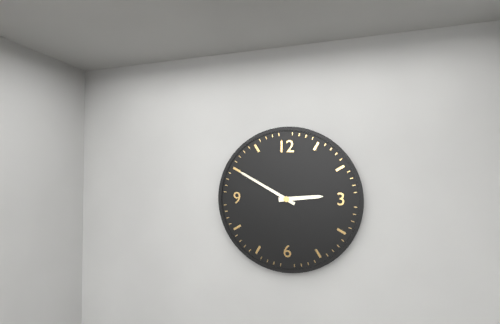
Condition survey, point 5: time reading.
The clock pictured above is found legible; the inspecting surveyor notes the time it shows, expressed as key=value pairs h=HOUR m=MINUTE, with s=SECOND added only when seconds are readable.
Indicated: h=2 m=50
